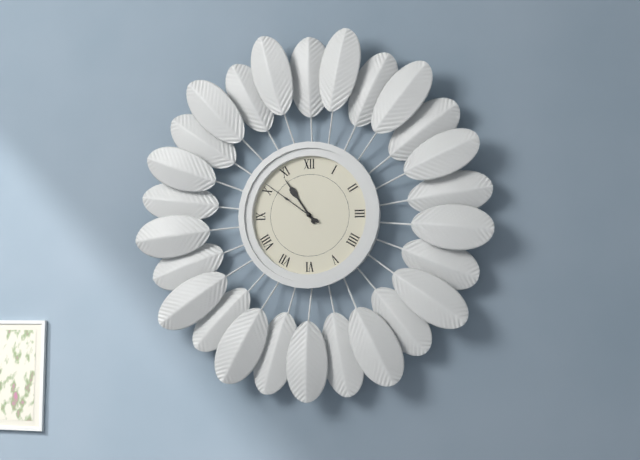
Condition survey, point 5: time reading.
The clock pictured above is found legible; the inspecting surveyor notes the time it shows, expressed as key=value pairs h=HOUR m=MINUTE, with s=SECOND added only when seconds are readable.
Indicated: h=10 m=51
